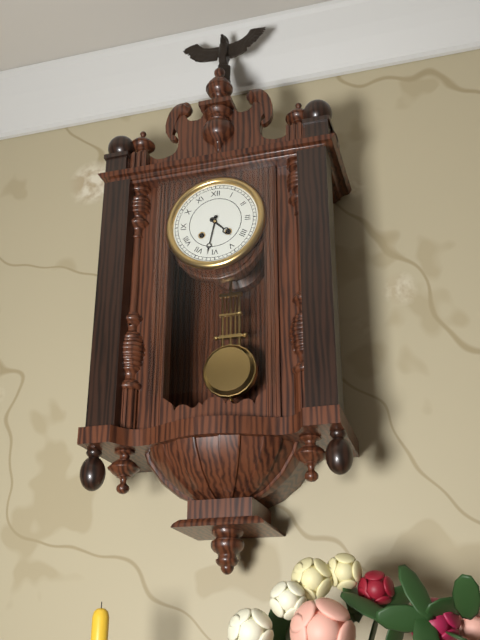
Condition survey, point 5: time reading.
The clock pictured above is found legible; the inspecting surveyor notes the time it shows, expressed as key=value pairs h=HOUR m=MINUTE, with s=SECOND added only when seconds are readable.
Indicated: h=4 m=32
